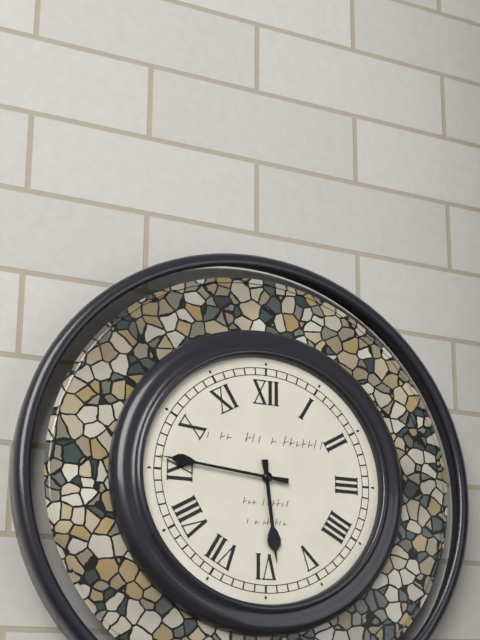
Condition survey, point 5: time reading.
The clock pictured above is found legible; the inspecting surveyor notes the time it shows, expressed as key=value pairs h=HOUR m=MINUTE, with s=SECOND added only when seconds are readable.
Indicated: h=5 m=46
